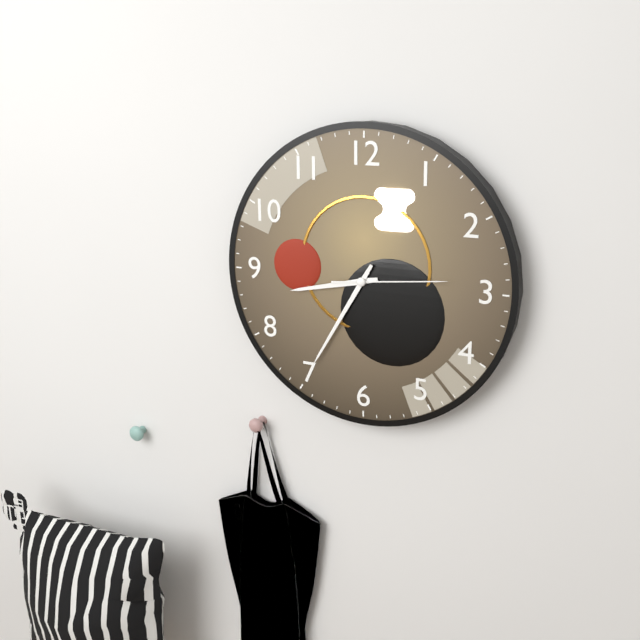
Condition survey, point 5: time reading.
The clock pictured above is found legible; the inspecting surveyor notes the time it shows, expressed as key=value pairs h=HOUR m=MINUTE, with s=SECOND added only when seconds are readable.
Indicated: h=8 m=35 s=14
